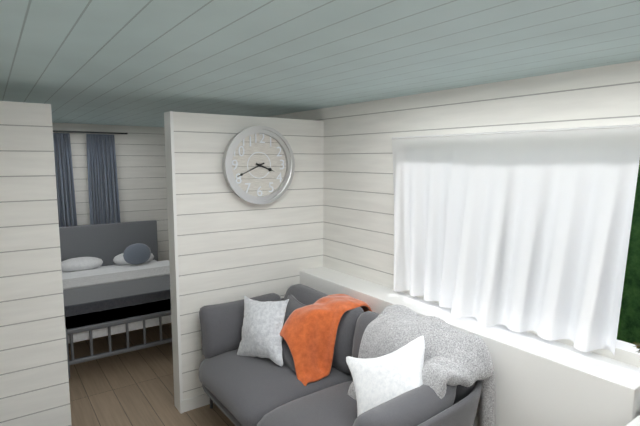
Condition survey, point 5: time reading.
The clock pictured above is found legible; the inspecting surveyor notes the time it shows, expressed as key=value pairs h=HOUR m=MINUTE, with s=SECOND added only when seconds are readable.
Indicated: h=3 m=41
